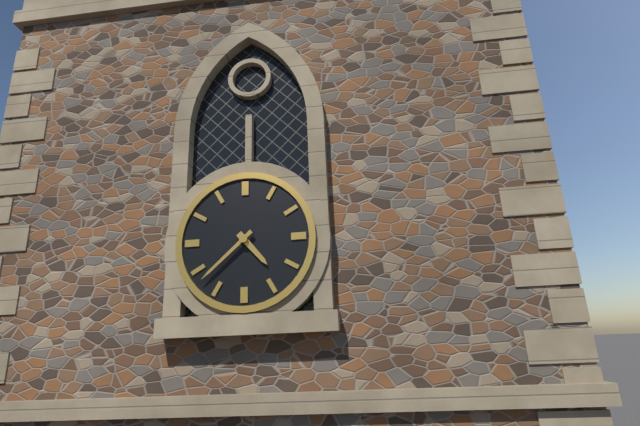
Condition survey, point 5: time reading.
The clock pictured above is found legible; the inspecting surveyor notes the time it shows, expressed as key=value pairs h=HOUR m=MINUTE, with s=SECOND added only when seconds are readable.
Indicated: h=4 m=38
